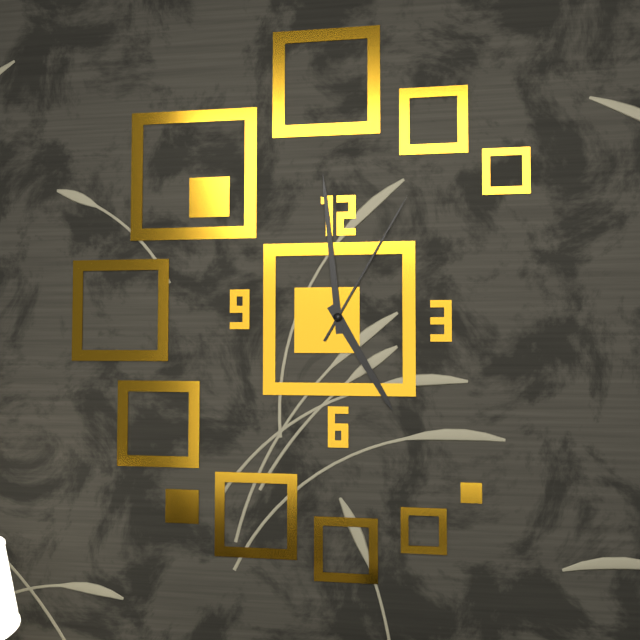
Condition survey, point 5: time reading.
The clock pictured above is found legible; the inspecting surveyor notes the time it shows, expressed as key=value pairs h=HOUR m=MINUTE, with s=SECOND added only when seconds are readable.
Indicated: h=4 m=59 s=5
